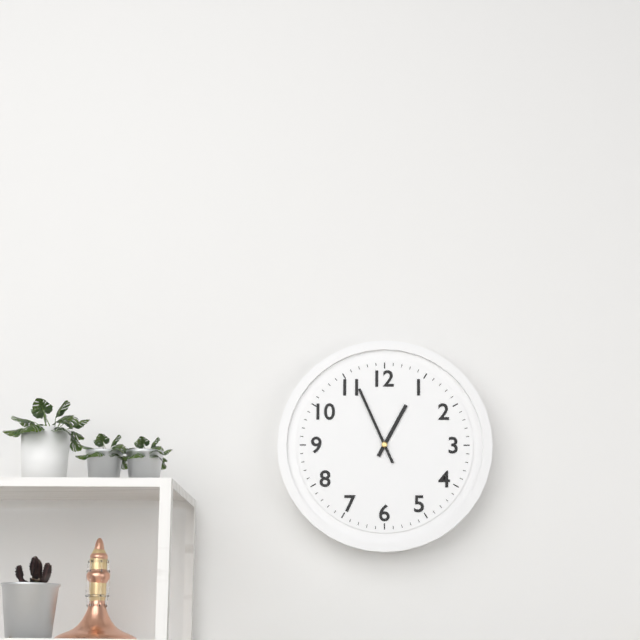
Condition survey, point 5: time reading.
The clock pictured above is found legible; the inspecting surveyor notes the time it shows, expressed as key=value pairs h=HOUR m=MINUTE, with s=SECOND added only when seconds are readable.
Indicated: h=12 m=56
